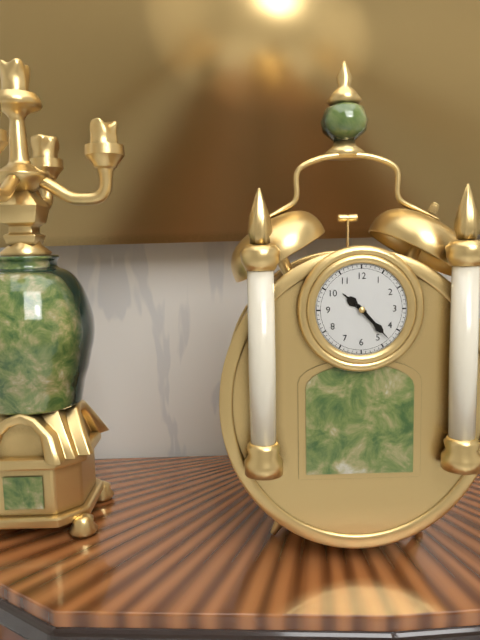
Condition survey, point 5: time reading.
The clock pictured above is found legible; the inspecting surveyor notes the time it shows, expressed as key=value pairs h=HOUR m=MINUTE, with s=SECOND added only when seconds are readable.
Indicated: h=10 m=23
